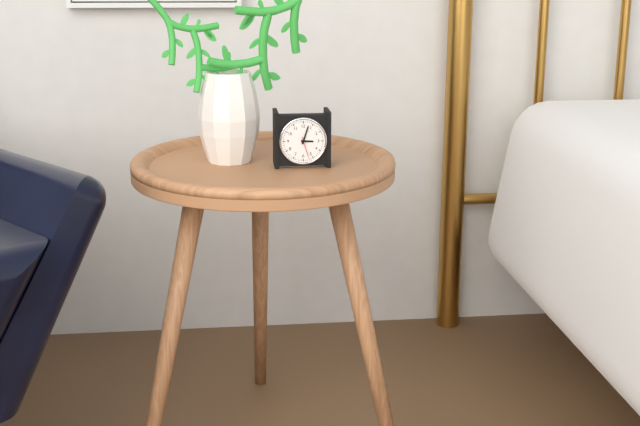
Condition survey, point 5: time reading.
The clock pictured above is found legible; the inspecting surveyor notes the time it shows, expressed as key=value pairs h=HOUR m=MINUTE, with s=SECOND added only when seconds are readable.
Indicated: h=3 m=3
